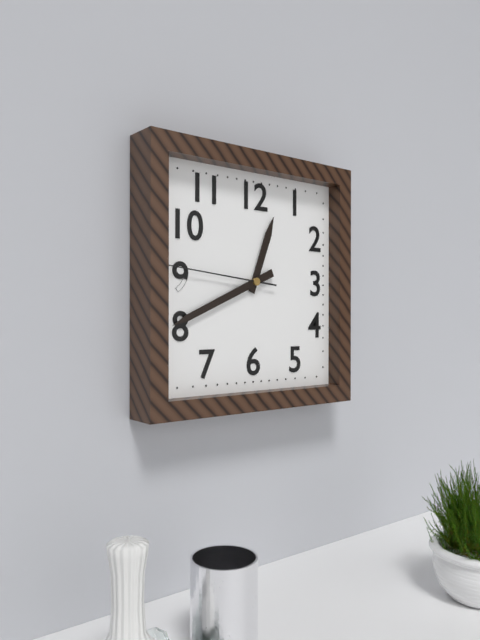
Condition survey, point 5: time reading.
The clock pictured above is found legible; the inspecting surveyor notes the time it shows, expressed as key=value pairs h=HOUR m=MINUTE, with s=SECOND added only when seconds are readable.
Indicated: h=12 m=41 s=46
